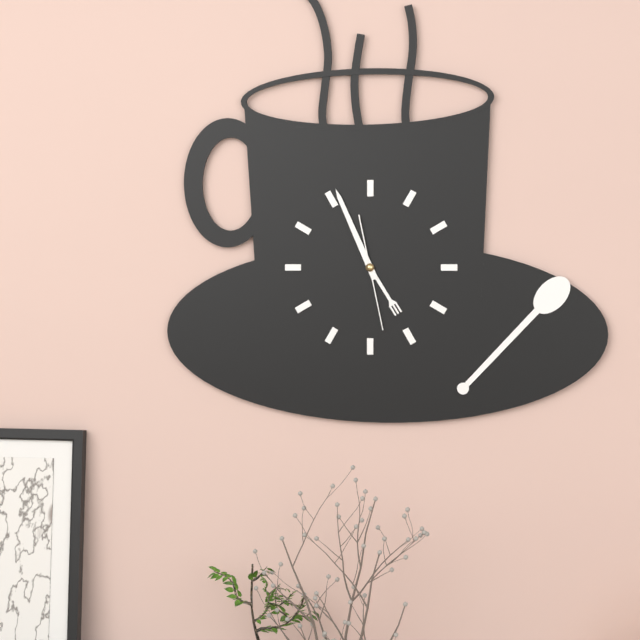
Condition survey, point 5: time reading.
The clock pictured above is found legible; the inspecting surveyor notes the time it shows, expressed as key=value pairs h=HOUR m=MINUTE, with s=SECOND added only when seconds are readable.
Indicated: h=4 m=56 s=28
